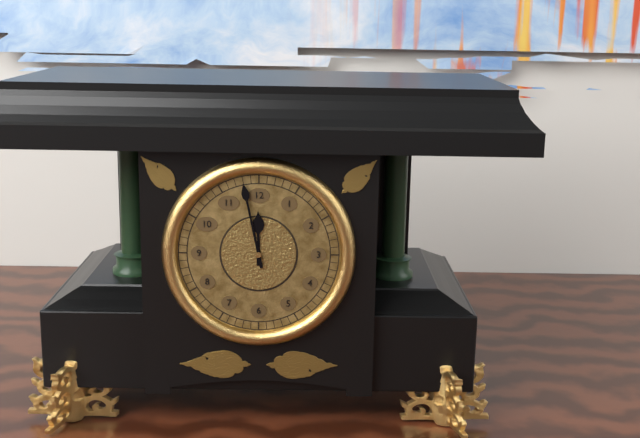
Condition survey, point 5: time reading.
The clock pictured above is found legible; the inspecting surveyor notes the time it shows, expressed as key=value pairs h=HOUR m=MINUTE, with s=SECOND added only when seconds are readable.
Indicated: h=11 m=58
